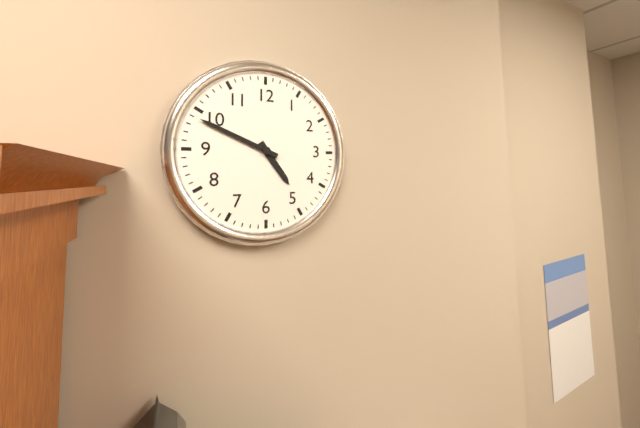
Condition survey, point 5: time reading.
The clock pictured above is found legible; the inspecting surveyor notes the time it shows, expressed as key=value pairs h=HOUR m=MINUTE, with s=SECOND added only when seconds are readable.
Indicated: h=4 m=49
